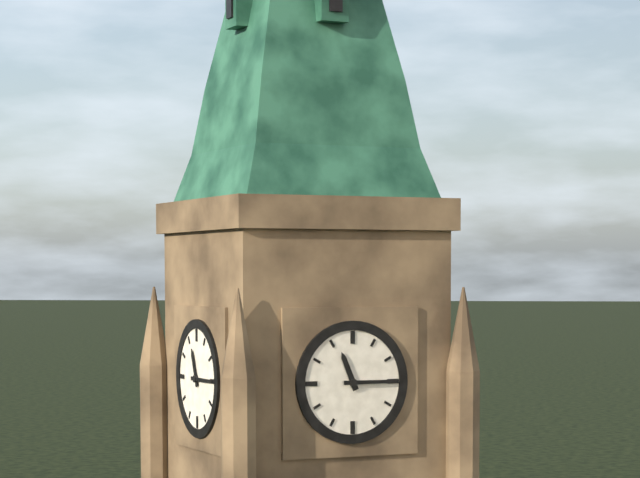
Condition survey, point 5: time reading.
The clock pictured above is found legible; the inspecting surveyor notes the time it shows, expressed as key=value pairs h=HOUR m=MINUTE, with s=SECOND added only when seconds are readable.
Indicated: h=11 m=15
